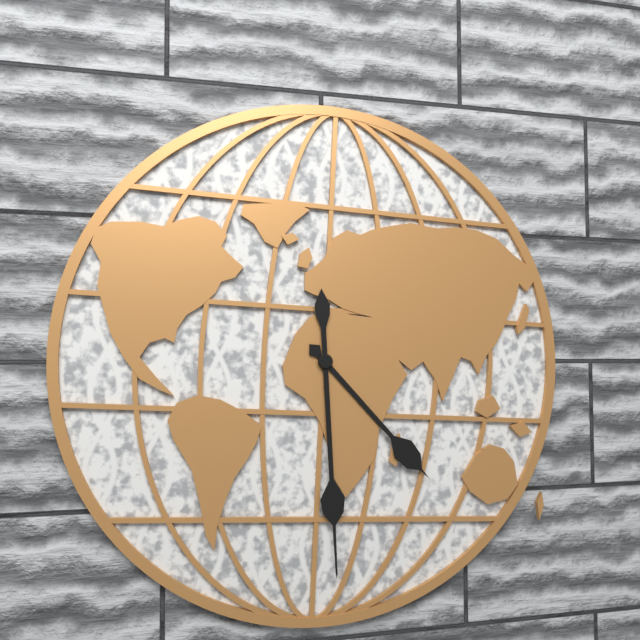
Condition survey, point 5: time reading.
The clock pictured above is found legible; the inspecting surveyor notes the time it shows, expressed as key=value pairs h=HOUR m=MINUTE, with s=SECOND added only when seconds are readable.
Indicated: h=4 m=29
